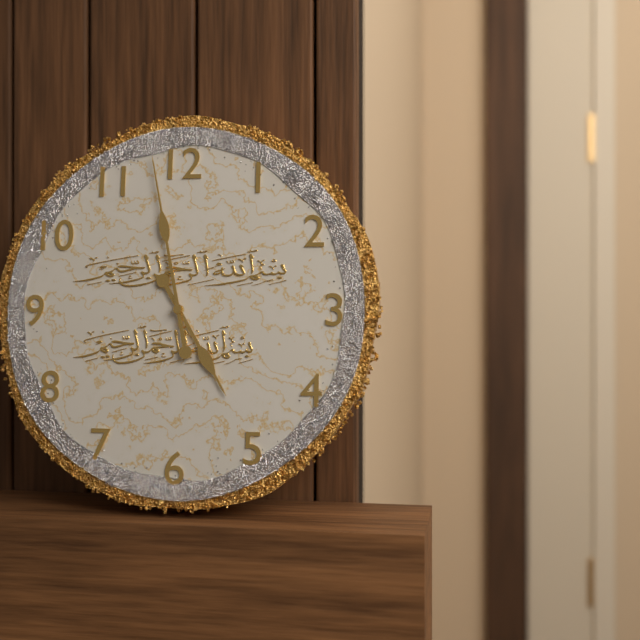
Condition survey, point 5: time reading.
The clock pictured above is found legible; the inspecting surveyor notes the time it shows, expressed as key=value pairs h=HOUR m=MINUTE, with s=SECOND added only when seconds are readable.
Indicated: h=4 m=58
